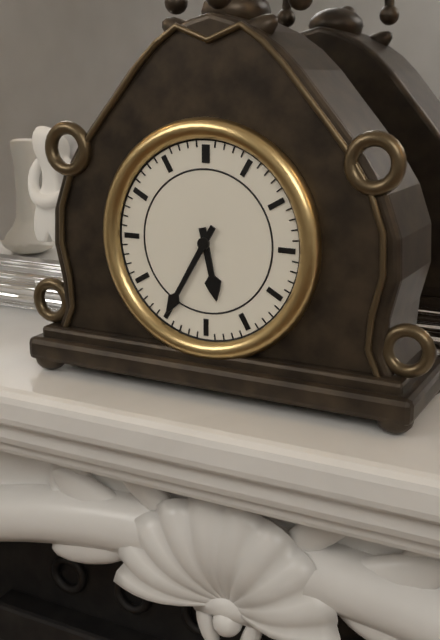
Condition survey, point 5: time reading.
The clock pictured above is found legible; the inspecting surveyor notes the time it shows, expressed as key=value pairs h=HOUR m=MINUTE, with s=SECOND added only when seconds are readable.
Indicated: h=5 m=35
